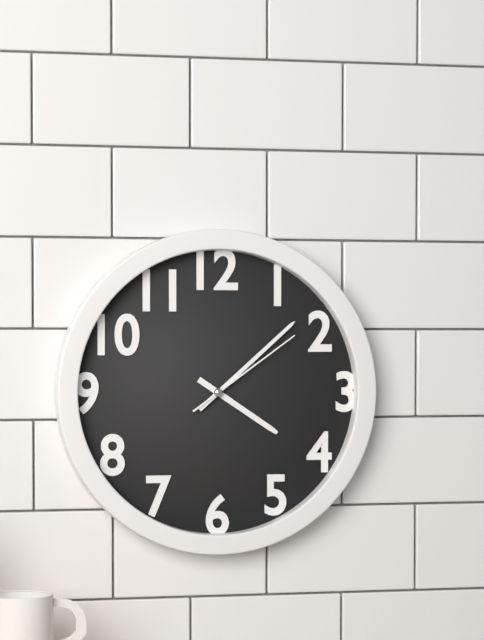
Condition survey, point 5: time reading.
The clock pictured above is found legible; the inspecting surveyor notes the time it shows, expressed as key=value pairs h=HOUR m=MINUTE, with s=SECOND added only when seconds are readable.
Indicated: h=4 m=8 s=9
